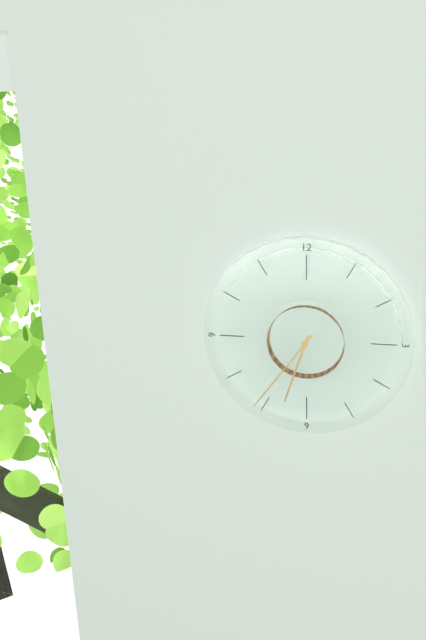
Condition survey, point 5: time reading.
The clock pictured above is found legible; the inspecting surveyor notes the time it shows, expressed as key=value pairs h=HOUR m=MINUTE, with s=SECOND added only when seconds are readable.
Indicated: h=6 m=36
